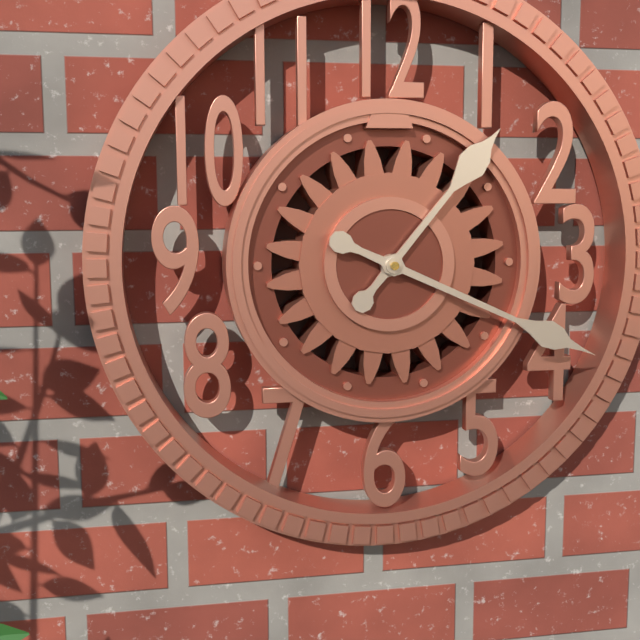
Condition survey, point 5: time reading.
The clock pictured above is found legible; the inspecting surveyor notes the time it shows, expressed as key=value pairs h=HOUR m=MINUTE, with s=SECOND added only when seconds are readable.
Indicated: h=1 m=19
